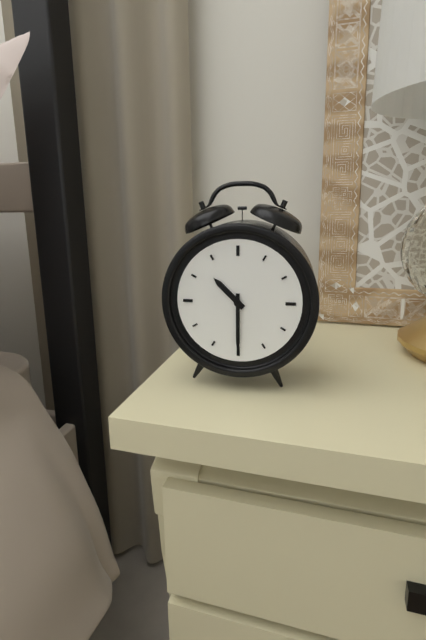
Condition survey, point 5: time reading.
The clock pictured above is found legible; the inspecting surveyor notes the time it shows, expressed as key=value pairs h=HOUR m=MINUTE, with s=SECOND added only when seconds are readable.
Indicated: h=10 m=30
